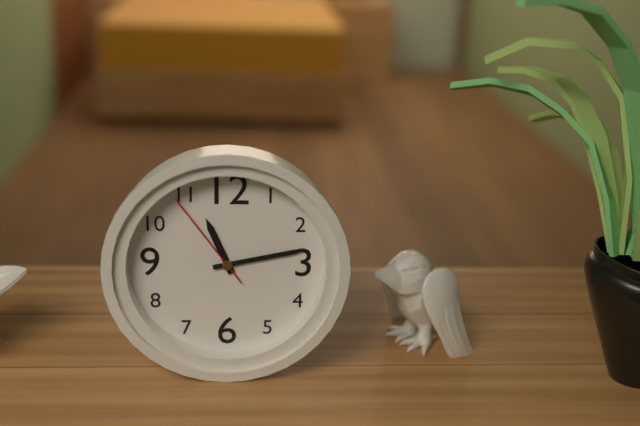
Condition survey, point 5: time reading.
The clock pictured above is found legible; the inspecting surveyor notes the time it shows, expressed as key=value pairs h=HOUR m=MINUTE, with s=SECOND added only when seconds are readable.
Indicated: h=11 m=13 s=54
